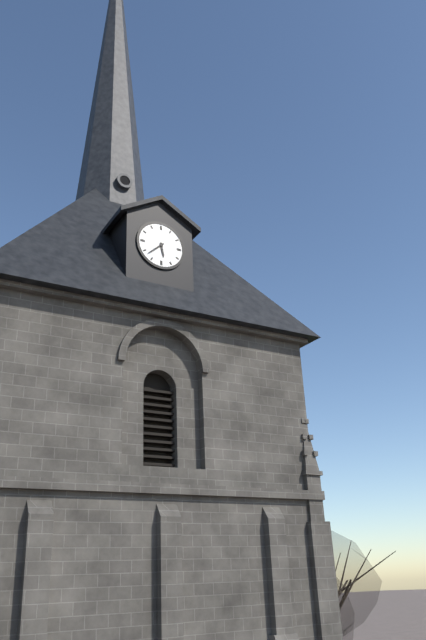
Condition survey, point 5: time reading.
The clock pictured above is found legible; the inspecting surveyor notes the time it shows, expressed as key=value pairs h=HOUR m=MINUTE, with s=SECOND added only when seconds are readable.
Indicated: h=5 m=38
